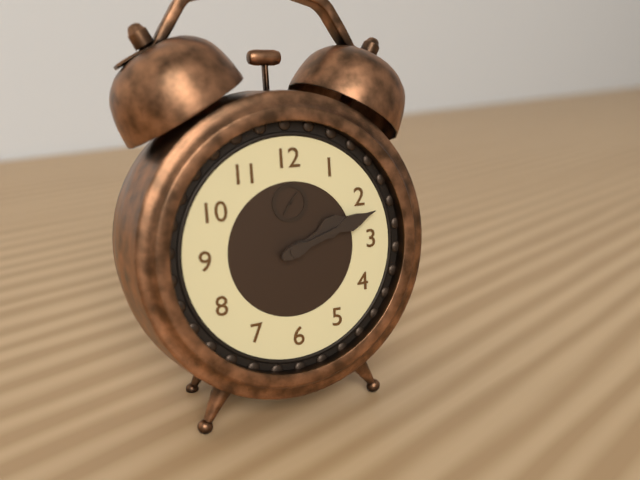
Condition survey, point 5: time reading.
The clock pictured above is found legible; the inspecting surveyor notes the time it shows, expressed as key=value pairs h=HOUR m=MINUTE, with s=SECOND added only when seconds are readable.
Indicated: h=2 m=12
